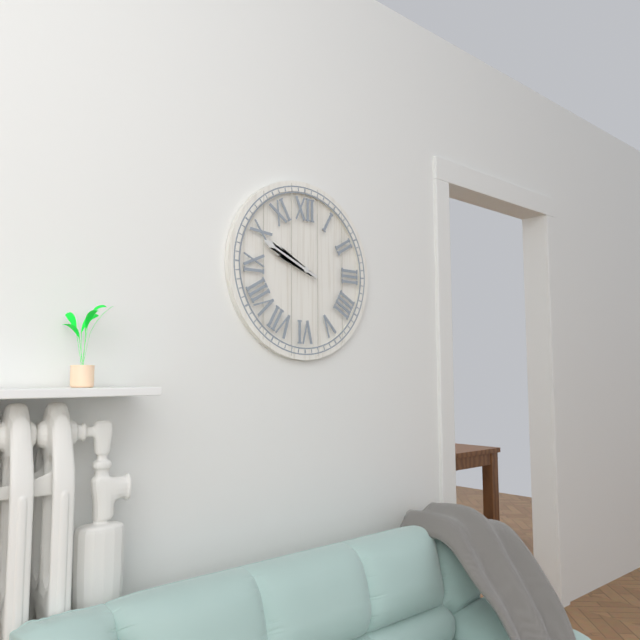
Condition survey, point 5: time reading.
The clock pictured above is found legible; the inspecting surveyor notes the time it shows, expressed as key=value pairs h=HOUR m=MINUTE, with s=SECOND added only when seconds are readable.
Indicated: h=9 m=49
